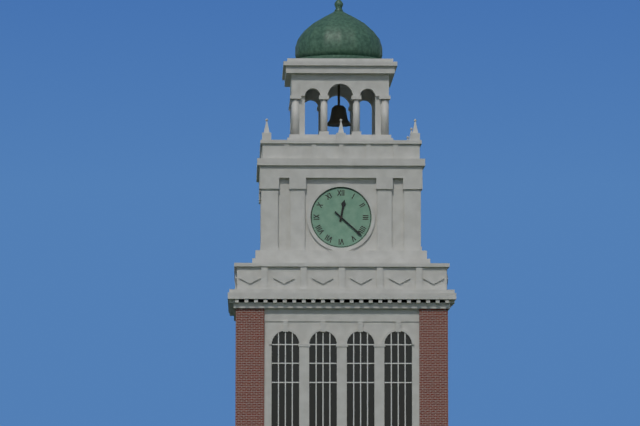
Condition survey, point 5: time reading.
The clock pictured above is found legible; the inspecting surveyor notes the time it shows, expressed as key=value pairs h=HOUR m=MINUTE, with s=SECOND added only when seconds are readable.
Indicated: h=12 m=22
